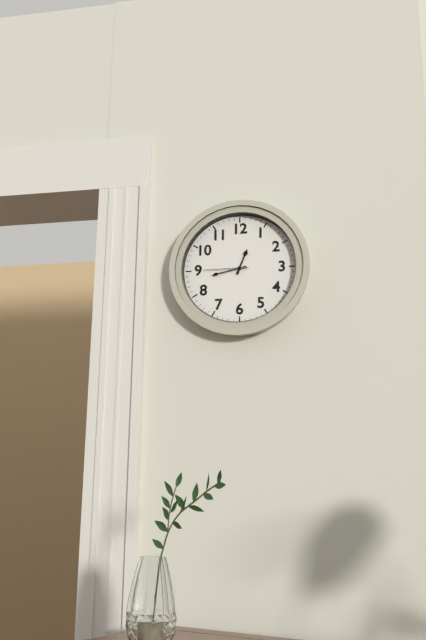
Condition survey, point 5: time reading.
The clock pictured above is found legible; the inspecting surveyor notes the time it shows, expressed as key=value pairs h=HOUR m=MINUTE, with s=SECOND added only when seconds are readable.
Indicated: h=12 m=43
